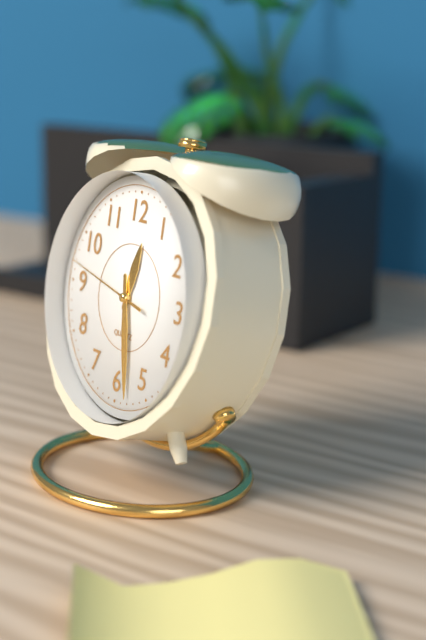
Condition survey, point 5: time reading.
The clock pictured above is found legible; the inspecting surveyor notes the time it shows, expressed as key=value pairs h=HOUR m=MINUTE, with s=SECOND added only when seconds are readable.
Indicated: h=12 m=28 s=47
